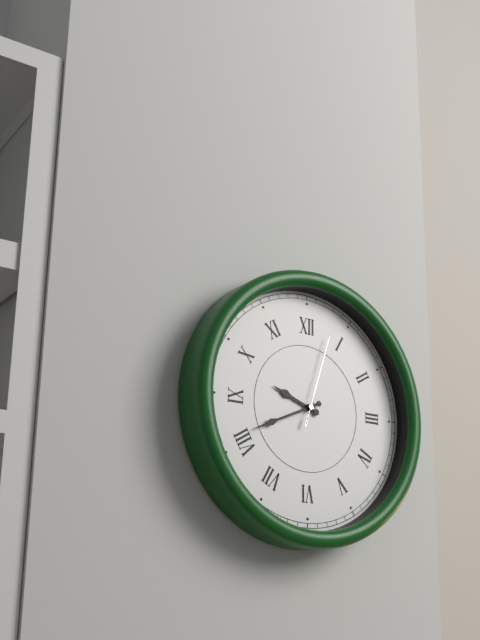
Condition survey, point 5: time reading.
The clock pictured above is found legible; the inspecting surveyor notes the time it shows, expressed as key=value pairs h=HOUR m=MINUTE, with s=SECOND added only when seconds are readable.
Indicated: h=9 m=41 s=3
